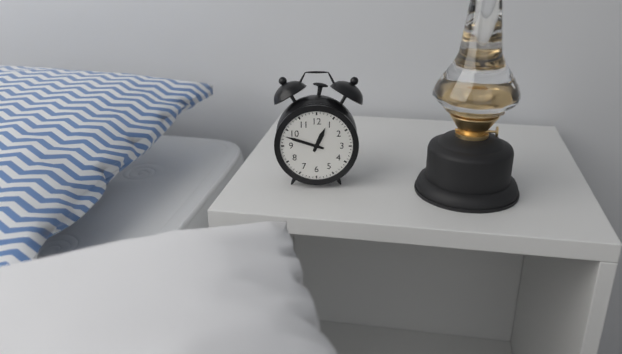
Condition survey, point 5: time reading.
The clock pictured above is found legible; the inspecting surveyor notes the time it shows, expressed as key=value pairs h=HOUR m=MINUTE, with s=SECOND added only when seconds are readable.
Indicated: h=12 m=48
